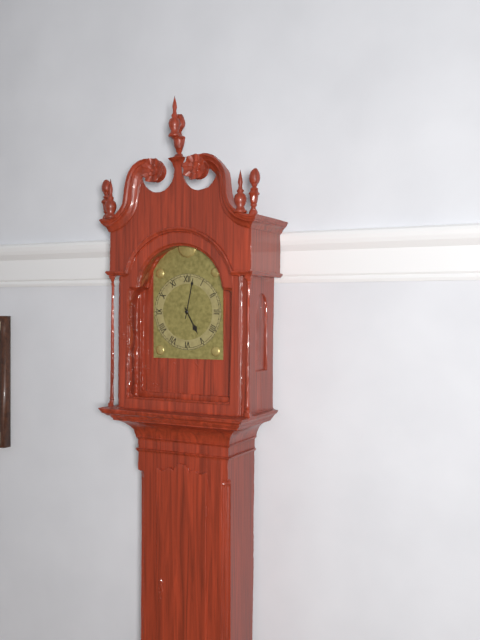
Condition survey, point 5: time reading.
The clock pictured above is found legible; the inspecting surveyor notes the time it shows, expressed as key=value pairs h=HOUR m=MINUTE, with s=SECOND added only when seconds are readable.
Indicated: h=5 m=2
